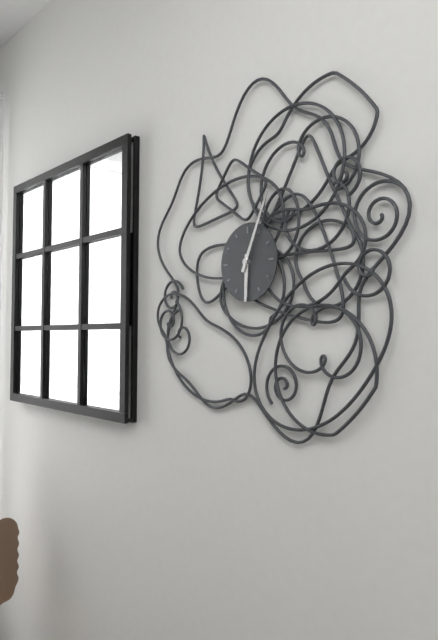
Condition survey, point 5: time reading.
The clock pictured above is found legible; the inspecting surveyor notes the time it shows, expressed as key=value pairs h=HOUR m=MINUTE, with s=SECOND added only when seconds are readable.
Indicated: h=6 m=4
